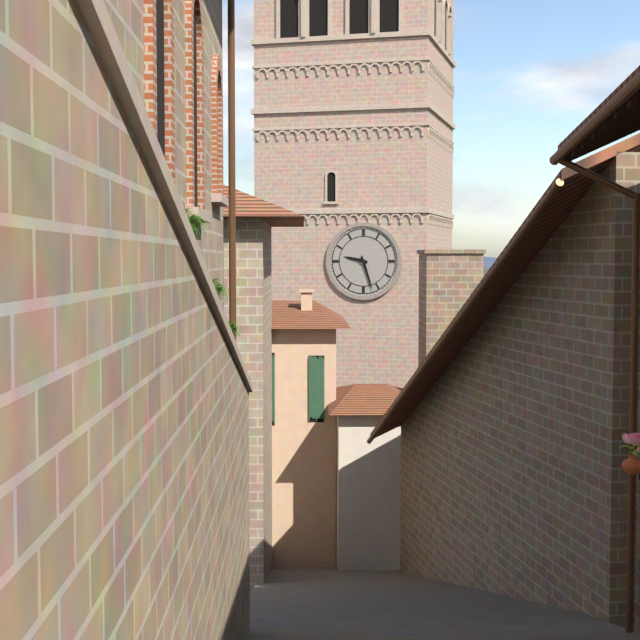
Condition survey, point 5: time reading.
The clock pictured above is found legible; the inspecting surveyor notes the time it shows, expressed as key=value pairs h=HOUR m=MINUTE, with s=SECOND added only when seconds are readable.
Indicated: h=9 m=27
